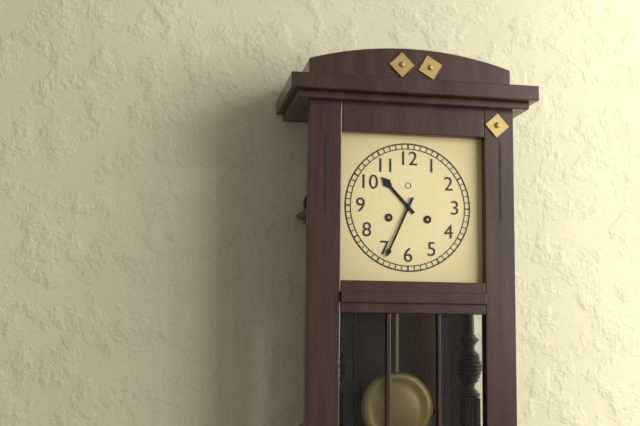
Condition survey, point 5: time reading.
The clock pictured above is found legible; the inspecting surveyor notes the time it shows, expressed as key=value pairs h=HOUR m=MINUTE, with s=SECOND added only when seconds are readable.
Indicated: h=10 m=34
